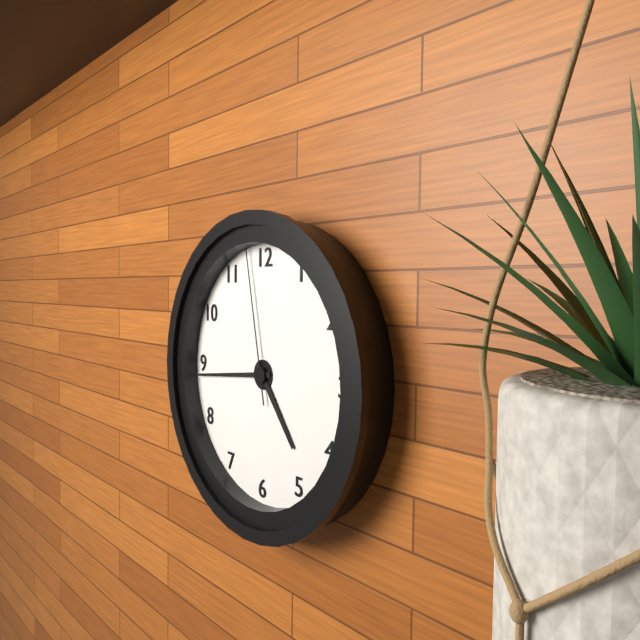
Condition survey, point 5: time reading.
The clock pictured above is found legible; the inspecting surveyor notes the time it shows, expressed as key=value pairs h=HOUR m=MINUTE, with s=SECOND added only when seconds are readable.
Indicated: h=4 m=44 s=58
